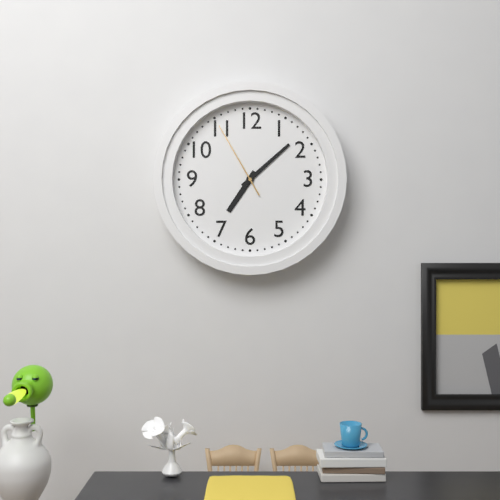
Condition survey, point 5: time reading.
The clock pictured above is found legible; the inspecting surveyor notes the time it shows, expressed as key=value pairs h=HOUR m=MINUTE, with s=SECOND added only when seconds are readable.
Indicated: h=7 m=8 s=55
